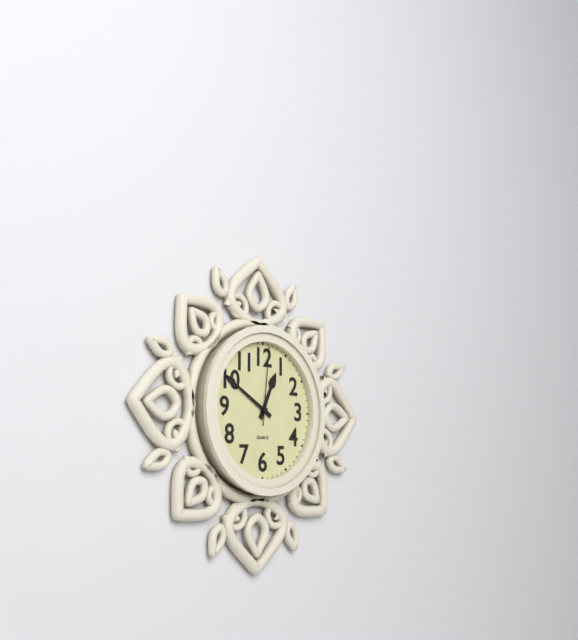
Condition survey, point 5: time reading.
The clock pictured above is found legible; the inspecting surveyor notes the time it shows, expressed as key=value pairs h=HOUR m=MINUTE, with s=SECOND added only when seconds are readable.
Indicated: h=12 m=50 s=1
